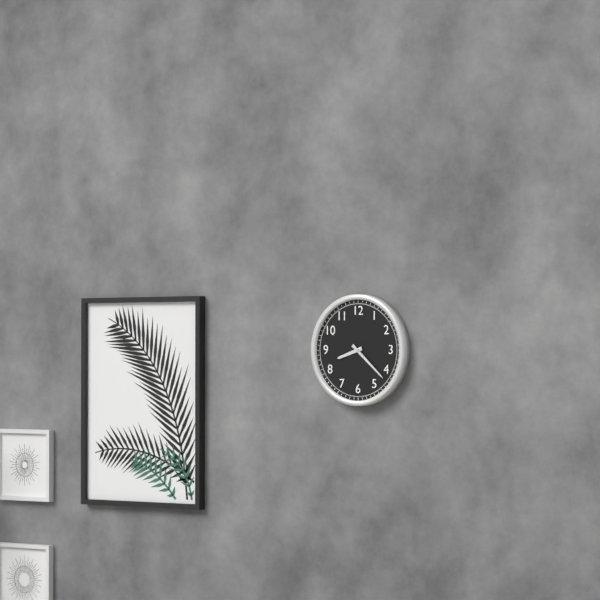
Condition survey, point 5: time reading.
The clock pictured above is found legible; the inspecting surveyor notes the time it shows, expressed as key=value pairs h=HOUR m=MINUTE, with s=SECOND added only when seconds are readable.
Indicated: h=8 m=22
